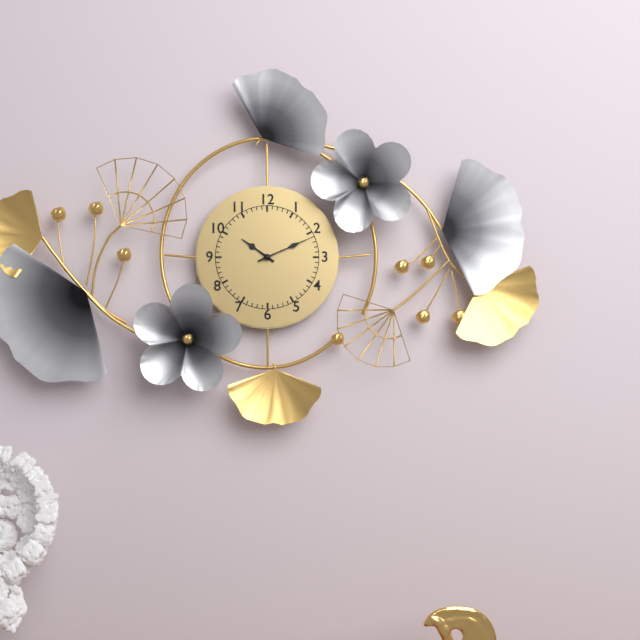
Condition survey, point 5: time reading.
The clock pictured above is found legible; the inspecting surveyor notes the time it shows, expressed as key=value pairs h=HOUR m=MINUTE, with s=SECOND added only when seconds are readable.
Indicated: h=10 m=11
